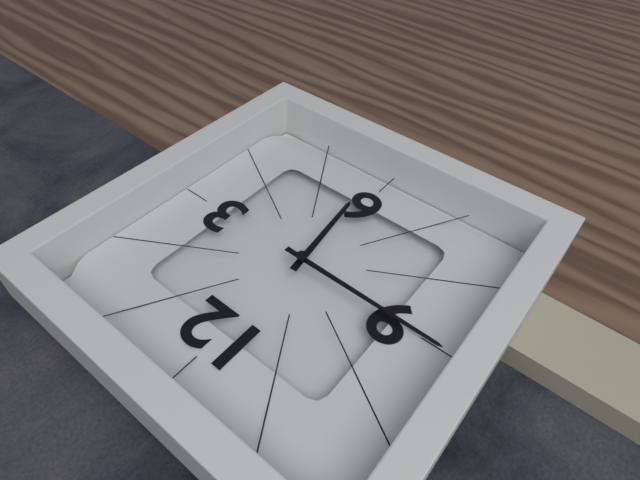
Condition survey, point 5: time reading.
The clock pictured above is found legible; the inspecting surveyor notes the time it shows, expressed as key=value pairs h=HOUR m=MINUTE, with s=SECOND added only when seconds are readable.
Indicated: h=5 m=45
